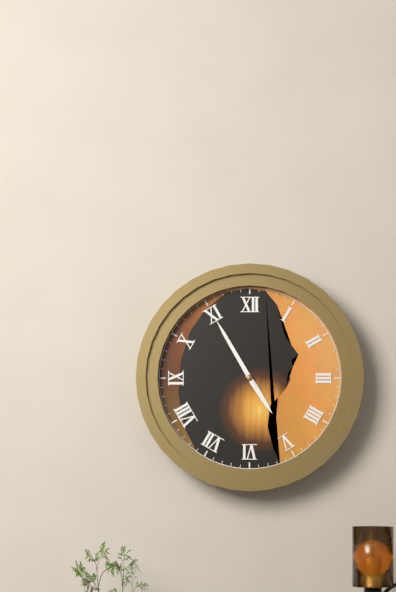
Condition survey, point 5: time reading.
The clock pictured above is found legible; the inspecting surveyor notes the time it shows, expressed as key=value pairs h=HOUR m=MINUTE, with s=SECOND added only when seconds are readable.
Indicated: h=4 m=55
